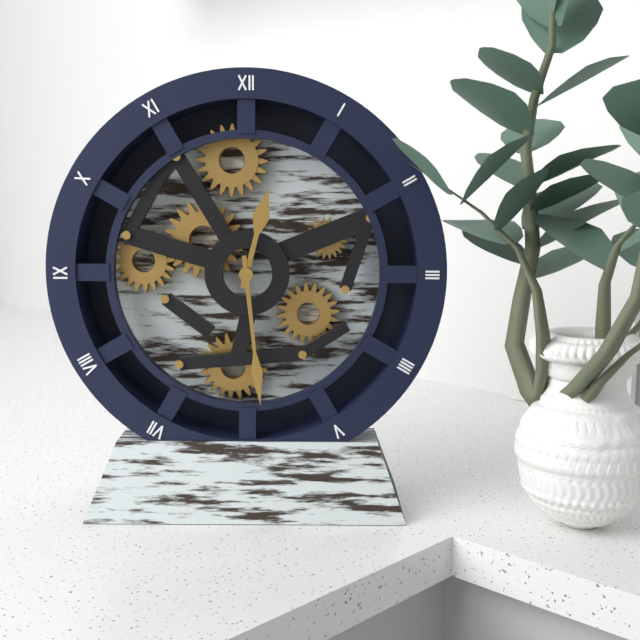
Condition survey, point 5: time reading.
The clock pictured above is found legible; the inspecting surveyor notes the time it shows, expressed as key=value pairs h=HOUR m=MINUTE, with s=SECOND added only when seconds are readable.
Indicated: h=12 m=29
